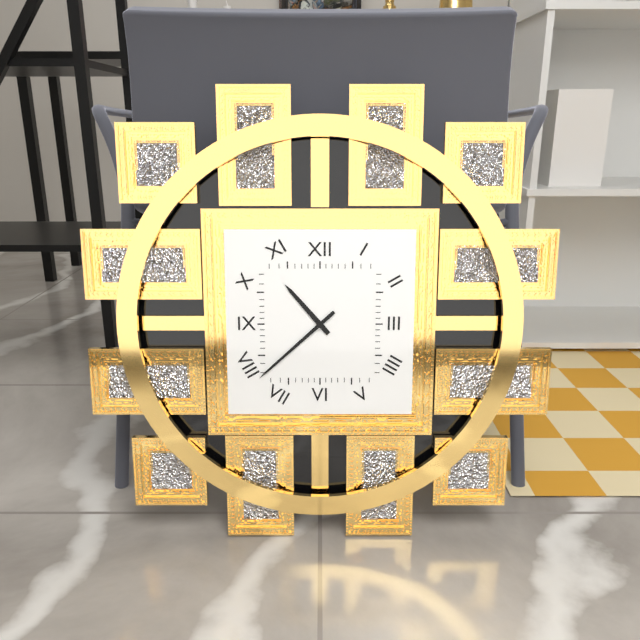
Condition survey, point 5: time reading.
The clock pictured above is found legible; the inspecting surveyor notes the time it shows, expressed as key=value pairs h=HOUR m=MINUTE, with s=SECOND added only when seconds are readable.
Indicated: h=10 m=38
